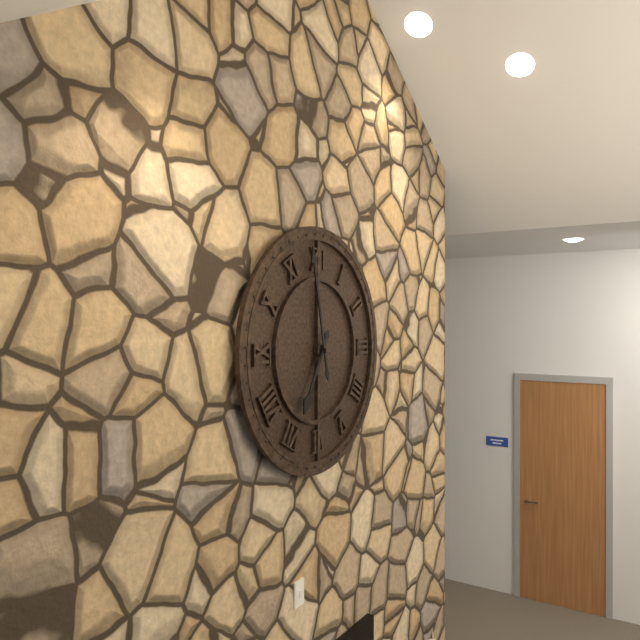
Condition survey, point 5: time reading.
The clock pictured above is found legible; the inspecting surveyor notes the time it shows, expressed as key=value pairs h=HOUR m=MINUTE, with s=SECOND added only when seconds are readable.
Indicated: h=6 m=58
